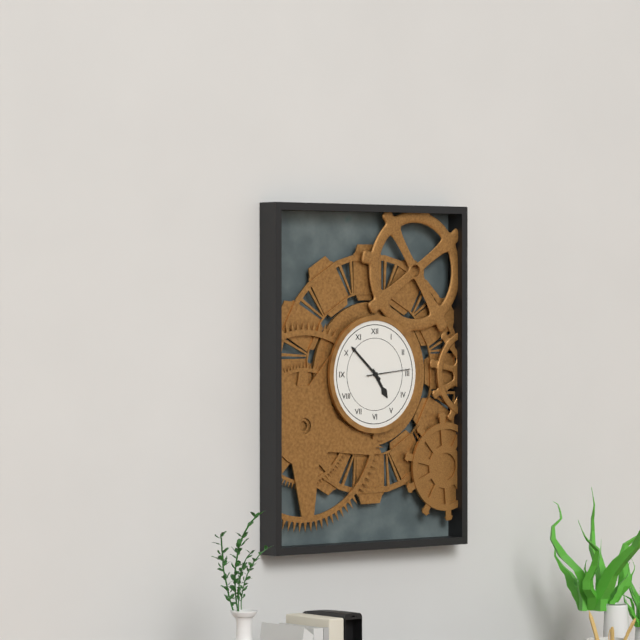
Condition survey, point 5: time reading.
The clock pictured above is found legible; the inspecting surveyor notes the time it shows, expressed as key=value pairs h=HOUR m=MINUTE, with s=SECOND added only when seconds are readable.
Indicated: h=4 m=52
